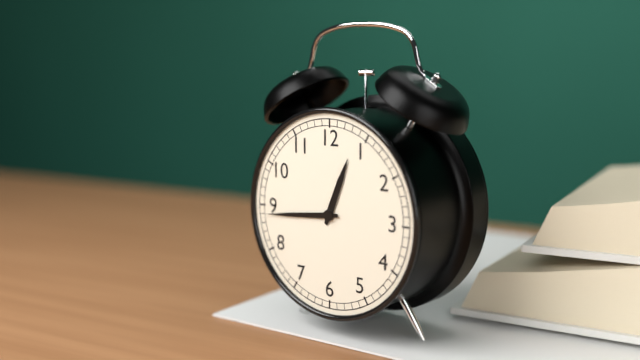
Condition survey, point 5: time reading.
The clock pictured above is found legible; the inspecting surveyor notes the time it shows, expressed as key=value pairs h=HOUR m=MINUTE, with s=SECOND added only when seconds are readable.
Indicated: h=12 m=44
